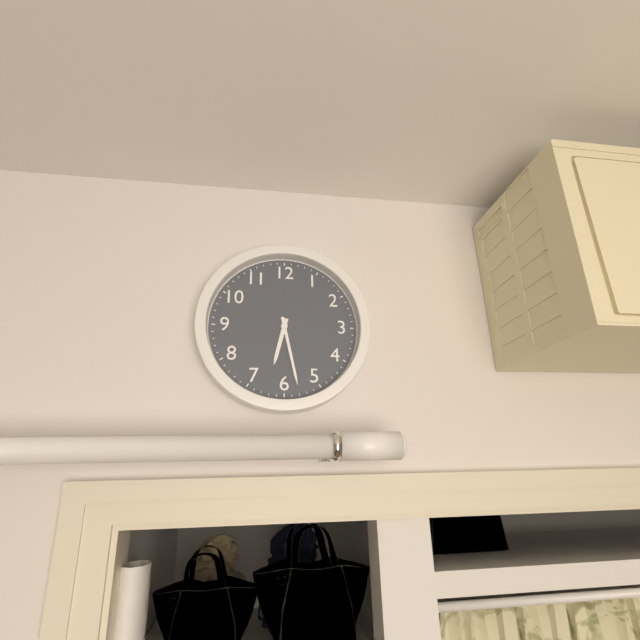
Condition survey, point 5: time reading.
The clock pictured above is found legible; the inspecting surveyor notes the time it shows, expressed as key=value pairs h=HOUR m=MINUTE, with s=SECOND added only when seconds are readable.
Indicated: h=6 m=28
